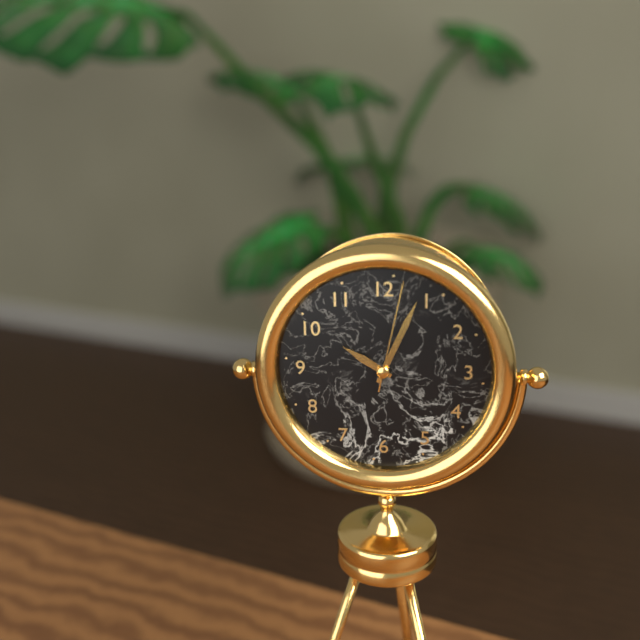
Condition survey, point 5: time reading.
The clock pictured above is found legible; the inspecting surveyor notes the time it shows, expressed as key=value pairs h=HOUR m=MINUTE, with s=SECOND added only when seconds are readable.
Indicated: h=10 m=4 s=2
